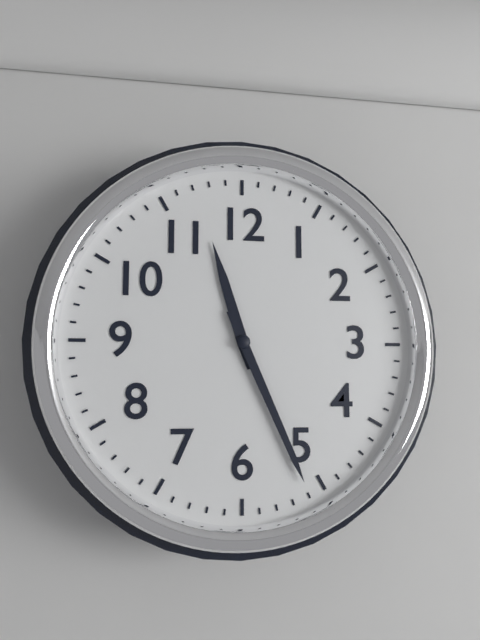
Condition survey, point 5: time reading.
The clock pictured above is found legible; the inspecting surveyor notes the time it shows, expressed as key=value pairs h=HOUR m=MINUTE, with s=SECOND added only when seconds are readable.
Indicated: h=11 m=26
